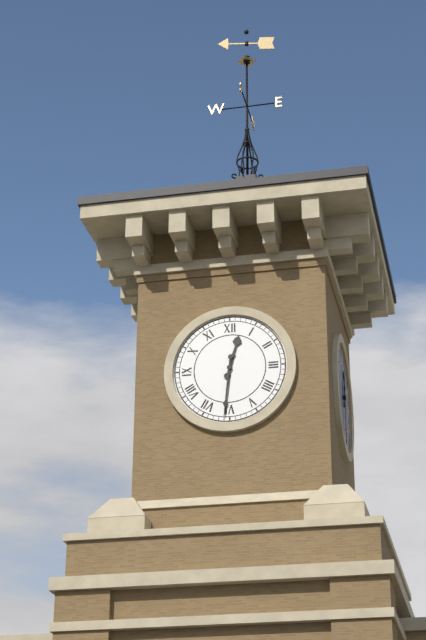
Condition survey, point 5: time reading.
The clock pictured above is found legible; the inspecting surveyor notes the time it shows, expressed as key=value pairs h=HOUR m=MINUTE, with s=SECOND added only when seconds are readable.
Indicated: h=12 m=31
